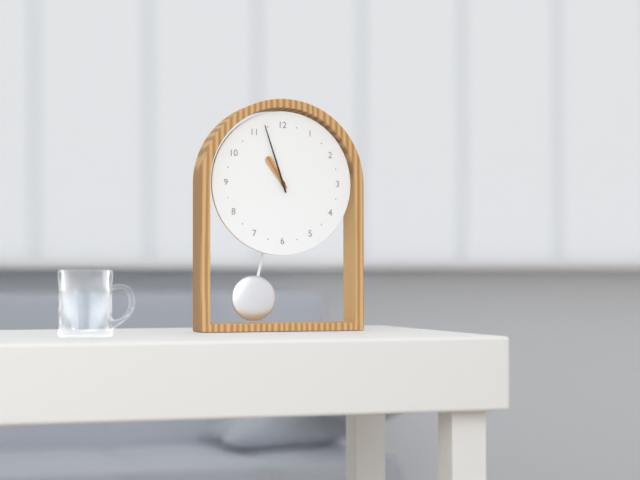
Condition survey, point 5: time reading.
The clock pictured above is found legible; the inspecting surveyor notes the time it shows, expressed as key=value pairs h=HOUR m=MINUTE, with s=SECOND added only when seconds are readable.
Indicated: h=10 m=57
